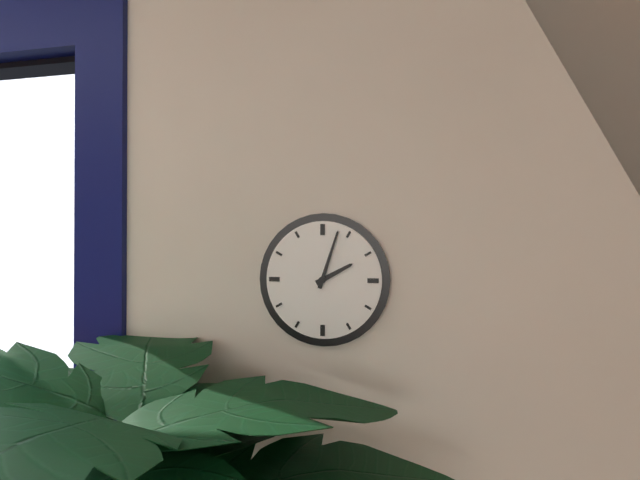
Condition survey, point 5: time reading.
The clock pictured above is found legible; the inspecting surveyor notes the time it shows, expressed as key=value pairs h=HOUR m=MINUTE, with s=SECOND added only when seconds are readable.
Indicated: h=2 m=3
